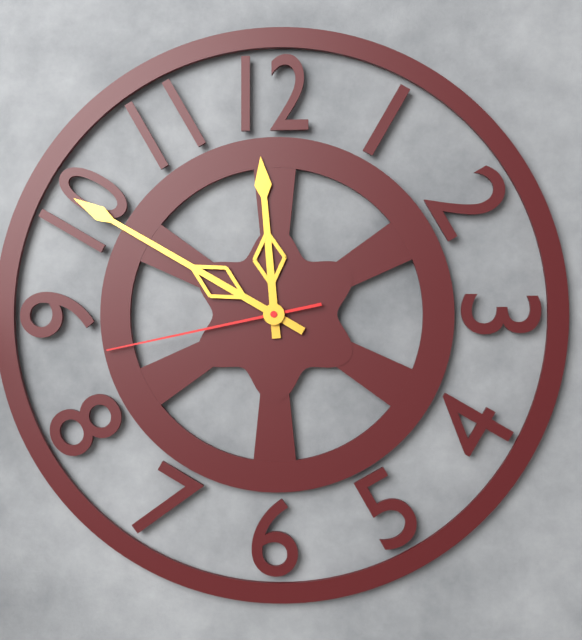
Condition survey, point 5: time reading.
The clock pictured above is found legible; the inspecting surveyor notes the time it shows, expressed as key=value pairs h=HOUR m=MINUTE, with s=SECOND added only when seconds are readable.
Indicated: h=11 m=50 s=43
